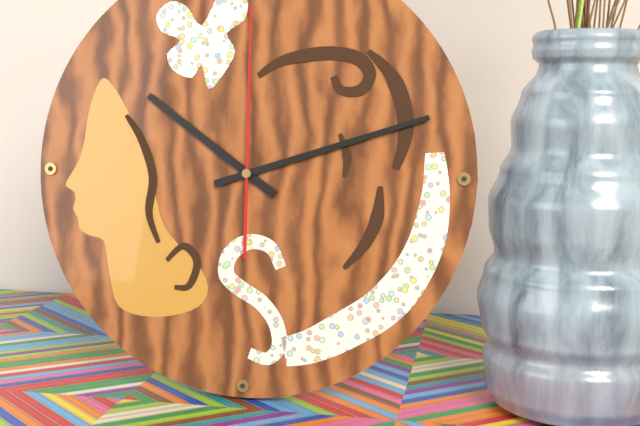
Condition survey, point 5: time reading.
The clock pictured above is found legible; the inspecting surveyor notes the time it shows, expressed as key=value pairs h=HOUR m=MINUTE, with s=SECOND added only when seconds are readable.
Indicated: h=10 m=12 s=0
